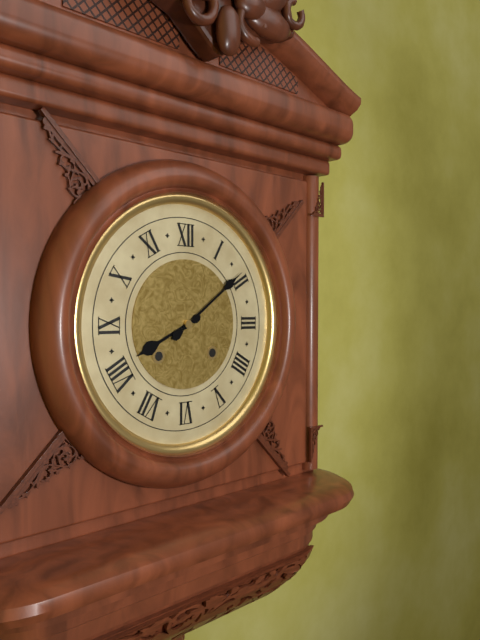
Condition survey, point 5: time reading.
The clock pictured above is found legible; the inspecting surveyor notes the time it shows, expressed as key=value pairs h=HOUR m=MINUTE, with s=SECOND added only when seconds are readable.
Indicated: h=8 m=9
